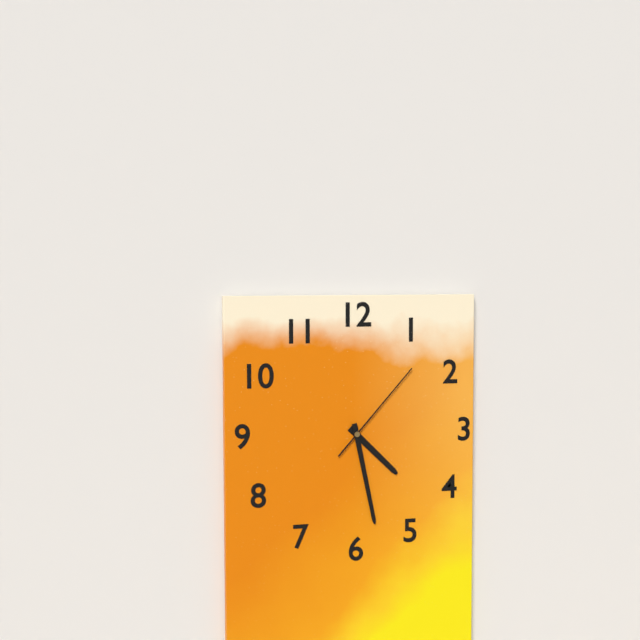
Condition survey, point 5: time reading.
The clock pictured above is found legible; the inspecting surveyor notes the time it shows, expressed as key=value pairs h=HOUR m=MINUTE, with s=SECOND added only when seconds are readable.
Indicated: h=4 m=28 s=7
